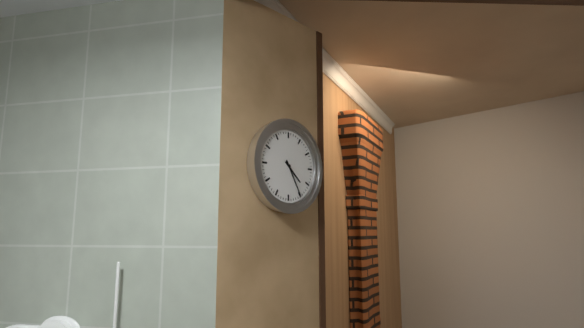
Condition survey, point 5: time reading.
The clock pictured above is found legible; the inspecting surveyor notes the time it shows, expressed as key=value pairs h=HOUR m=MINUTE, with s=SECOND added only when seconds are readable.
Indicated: h=4 m=25
